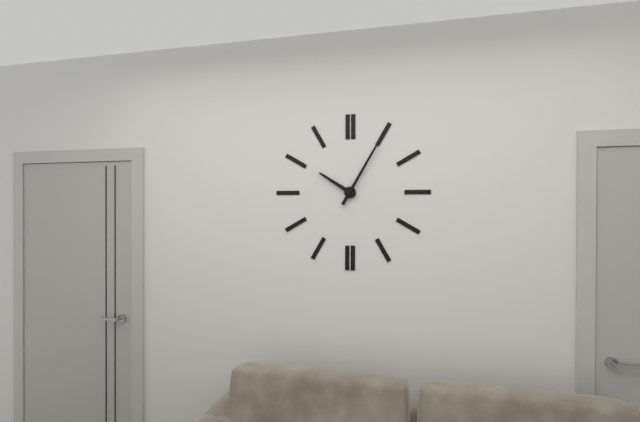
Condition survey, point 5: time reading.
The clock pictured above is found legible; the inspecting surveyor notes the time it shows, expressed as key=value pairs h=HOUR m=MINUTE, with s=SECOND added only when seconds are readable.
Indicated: h=10 m=5
